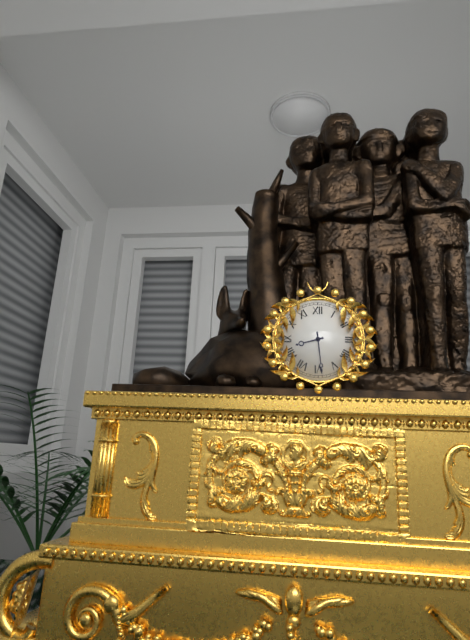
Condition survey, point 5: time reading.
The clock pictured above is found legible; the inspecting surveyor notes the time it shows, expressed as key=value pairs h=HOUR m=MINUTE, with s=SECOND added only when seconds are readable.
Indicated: h=8 m=29
